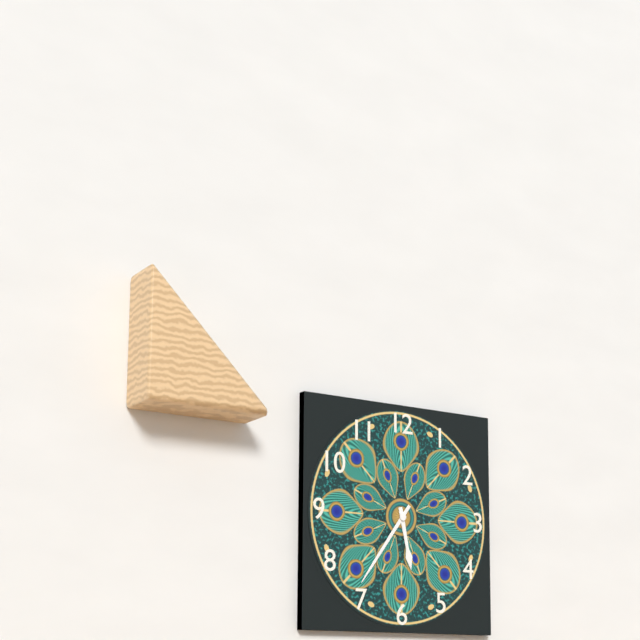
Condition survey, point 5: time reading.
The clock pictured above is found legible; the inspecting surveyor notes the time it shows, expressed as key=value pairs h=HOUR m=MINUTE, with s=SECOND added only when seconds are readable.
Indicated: h=5 m=36
